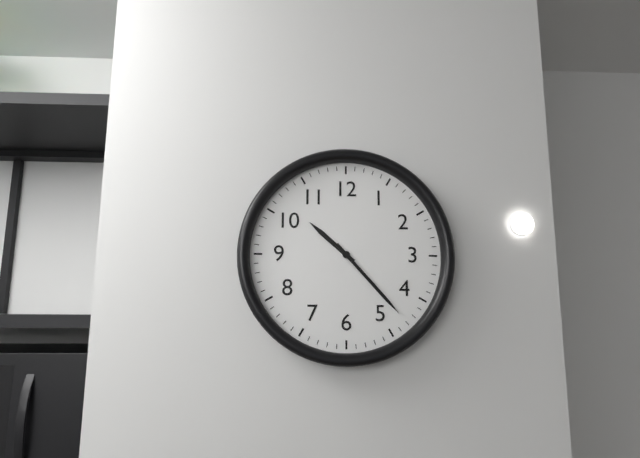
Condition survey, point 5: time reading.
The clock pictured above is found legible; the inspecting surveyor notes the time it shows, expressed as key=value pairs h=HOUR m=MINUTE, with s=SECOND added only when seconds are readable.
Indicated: h=10 m=23
